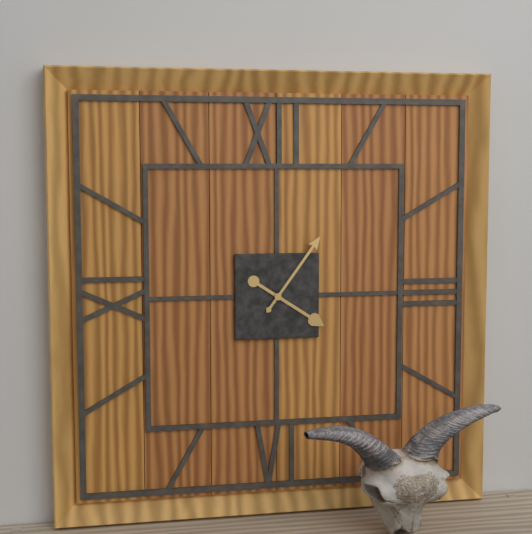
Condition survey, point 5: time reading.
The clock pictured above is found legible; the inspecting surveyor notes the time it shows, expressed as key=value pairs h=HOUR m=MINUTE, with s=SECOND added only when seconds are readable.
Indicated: h=4 m=6
